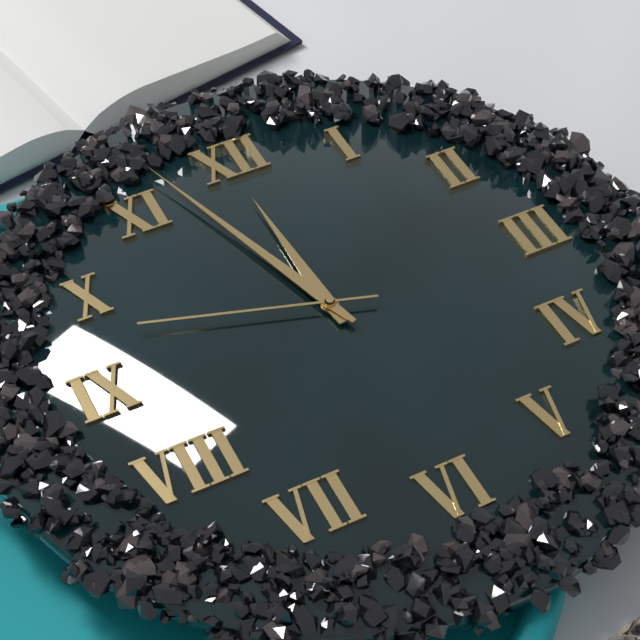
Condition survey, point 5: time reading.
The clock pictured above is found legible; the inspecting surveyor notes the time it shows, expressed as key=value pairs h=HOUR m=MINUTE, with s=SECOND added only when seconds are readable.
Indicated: h=11 m=57 s=48
